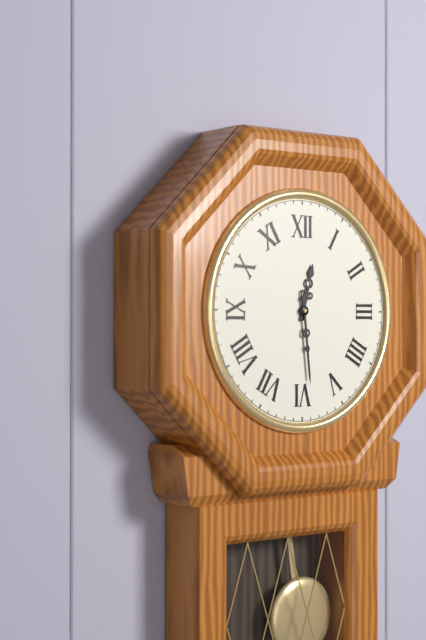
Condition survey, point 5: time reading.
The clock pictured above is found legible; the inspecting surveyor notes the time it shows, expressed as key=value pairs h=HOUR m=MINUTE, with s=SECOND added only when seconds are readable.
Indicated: h=12 m=29
